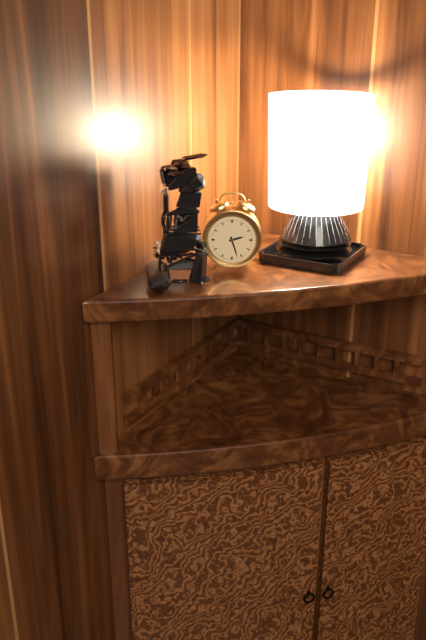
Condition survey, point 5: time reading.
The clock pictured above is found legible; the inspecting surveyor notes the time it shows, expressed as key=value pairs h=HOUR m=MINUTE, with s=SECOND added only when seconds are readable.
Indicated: h=2 m=27
